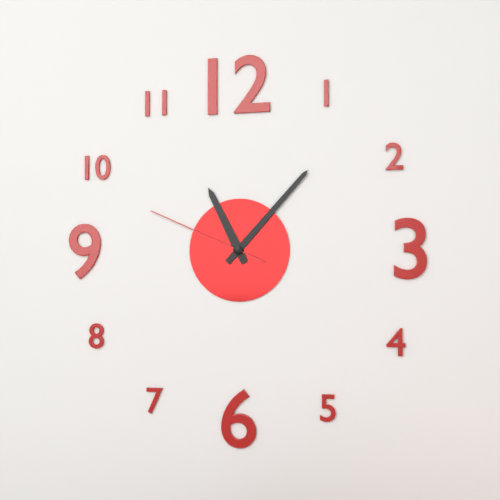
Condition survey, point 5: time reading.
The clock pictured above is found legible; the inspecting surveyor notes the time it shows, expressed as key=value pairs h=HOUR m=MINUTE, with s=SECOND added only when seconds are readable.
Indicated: h=11 m=7 s=49
